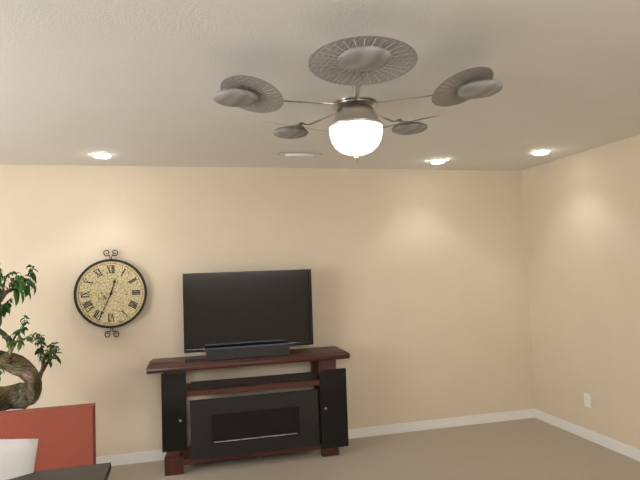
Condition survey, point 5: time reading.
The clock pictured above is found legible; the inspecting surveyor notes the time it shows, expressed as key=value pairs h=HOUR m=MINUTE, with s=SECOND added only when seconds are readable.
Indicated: h=12 m=34
